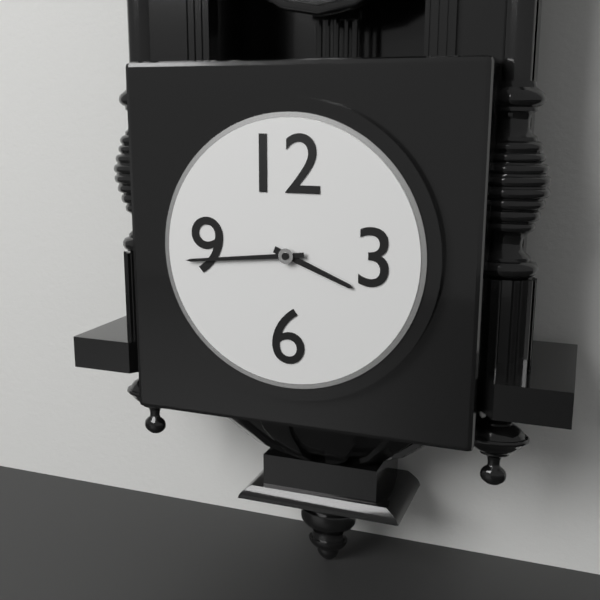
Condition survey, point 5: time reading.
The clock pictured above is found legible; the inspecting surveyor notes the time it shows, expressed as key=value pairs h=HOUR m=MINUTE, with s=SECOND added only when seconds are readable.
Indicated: h=3 m=44
